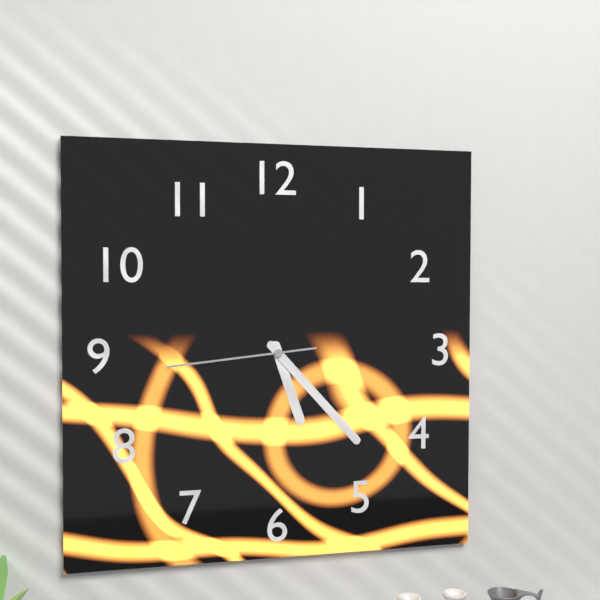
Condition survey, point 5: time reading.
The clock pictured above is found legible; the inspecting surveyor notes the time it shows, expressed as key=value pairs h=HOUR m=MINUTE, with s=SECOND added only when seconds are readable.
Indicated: h=5 m=23 s=44
